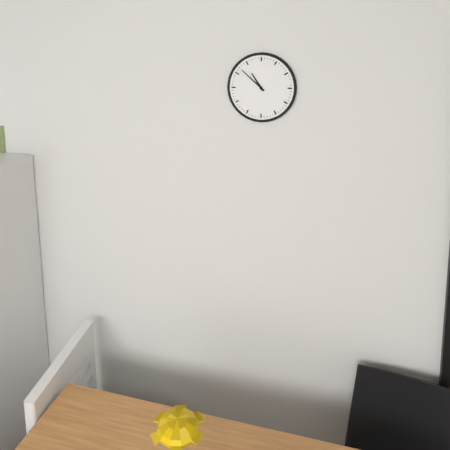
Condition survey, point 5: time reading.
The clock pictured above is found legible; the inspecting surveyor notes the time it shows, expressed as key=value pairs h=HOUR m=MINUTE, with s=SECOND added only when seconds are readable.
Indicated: h=10 m=52
